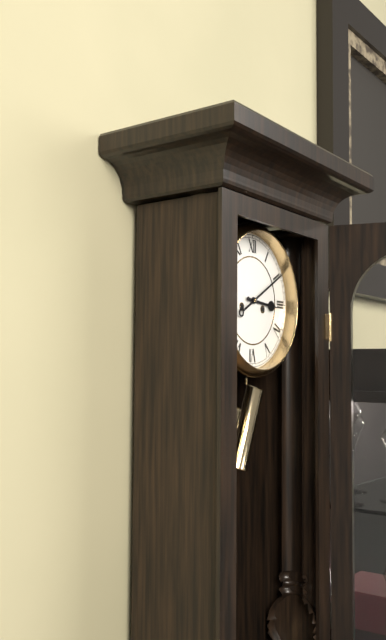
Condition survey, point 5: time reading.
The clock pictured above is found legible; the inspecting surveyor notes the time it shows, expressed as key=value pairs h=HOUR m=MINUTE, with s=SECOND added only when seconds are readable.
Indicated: h=3 m=10
